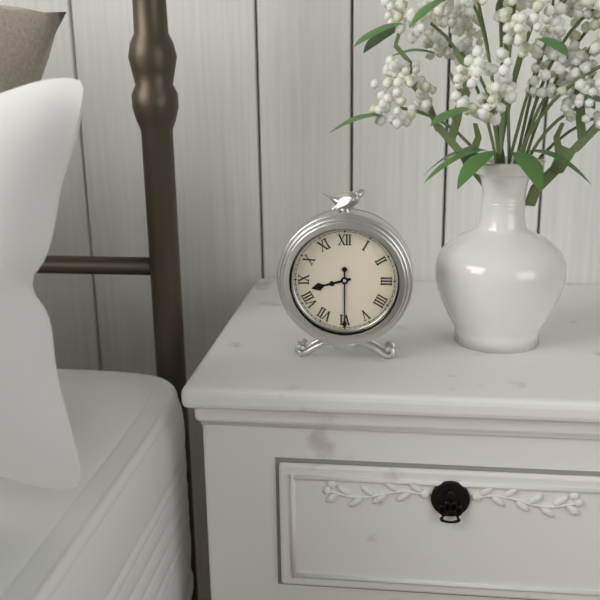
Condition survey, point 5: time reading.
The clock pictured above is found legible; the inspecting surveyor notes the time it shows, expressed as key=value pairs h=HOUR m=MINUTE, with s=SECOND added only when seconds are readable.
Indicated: h=8 m=30
